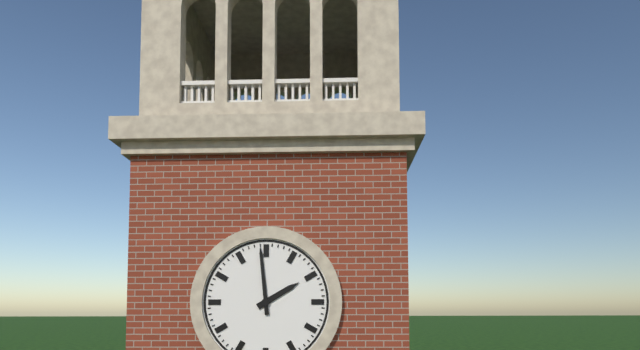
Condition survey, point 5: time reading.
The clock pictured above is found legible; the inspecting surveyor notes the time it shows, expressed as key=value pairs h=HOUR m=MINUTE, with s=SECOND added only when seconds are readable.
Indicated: h=1 m=59
